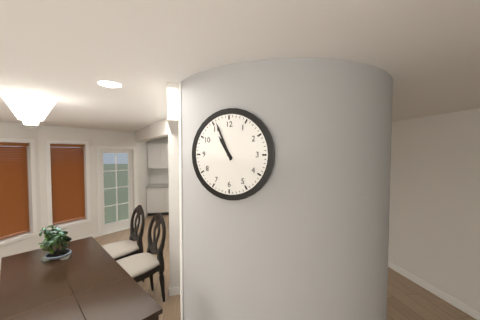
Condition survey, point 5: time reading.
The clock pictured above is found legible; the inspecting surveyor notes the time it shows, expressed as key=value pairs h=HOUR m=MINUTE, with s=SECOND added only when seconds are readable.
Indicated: h=10 m=56
